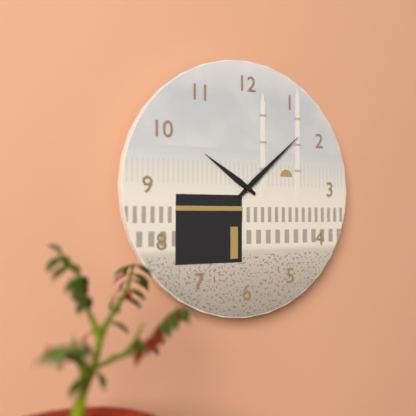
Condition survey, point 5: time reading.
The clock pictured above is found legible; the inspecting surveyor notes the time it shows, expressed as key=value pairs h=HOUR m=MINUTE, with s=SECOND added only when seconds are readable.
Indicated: h=10 m=8
